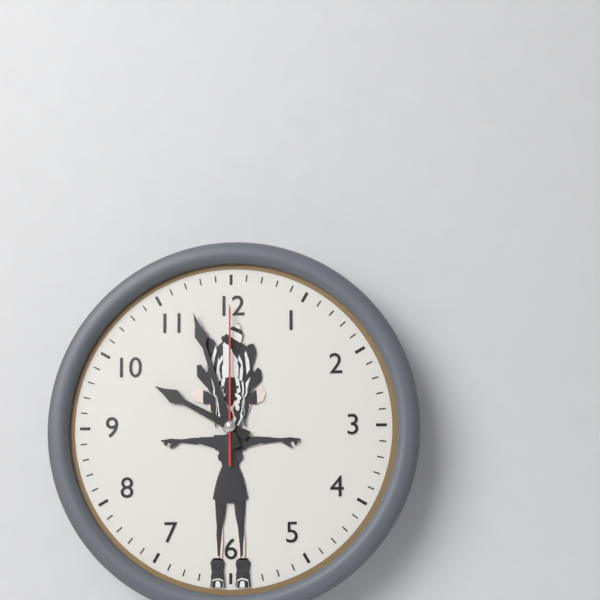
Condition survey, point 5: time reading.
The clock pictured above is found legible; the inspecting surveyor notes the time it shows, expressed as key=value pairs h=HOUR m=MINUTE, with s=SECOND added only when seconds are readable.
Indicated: h=9 m=57 s=0
